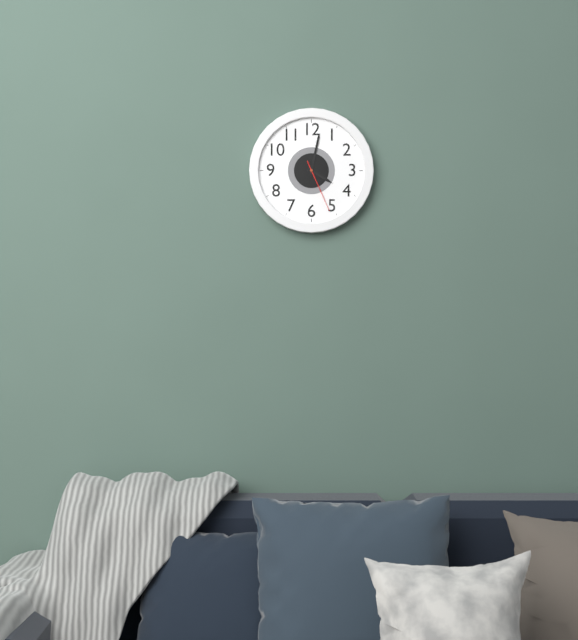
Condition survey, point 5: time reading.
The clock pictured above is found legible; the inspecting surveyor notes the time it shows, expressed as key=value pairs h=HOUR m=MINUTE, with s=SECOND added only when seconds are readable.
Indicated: h=4 m=2 s=26
